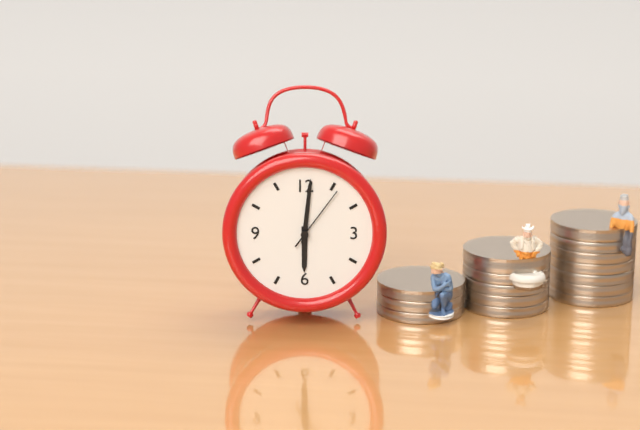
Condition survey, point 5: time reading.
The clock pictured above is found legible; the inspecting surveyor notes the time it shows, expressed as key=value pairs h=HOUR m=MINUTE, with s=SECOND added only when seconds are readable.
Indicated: h=6 m=1 s=6
